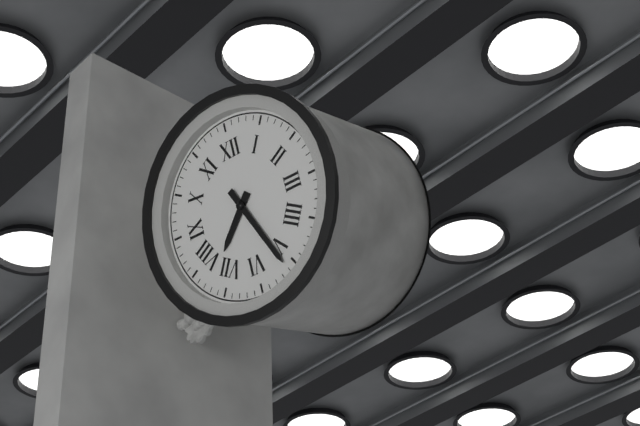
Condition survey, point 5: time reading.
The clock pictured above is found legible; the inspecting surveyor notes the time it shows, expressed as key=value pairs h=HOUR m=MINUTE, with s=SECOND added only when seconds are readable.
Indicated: h=7 m=26
